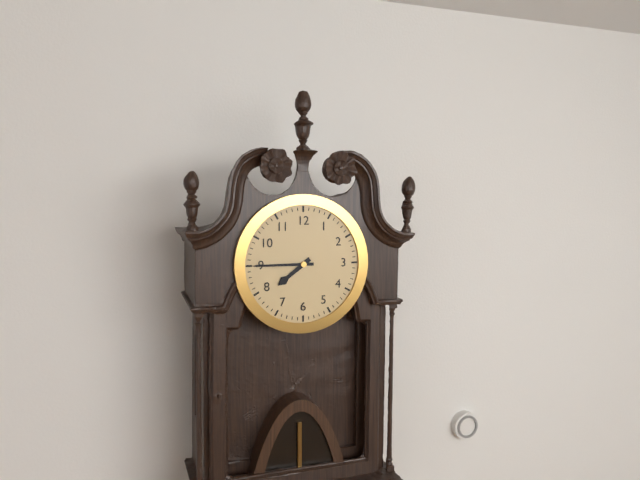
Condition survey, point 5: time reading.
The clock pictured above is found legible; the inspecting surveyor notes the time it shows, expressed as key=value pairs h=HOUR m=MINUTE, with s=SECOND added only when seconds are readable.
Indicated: h=7 m=45
